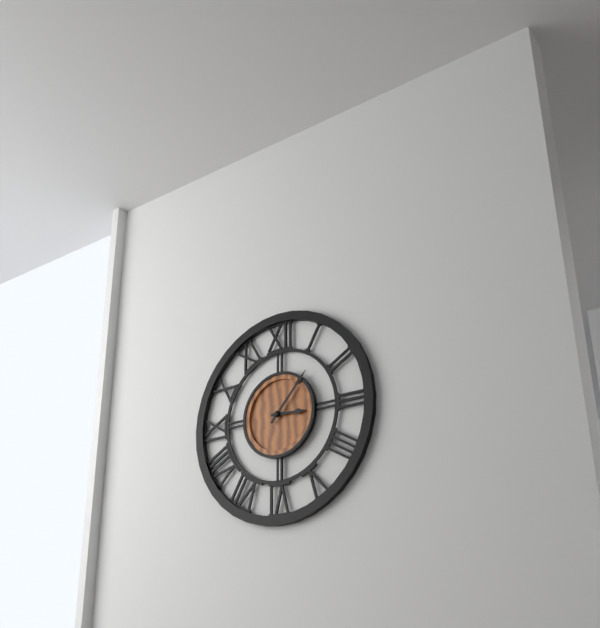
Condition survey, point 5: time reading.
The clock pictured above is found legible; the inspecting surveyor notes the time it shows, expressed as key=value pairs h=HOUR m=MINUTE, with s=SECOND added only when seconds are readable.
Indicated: h=3 m=7
